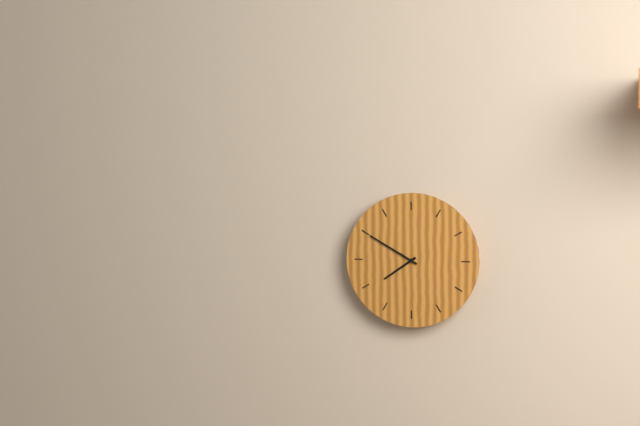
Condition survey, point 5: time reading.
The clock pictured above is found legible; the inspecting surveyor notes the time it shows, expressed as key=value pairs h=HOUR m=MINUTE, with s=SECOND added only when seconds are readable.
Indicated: h=7 m=50
